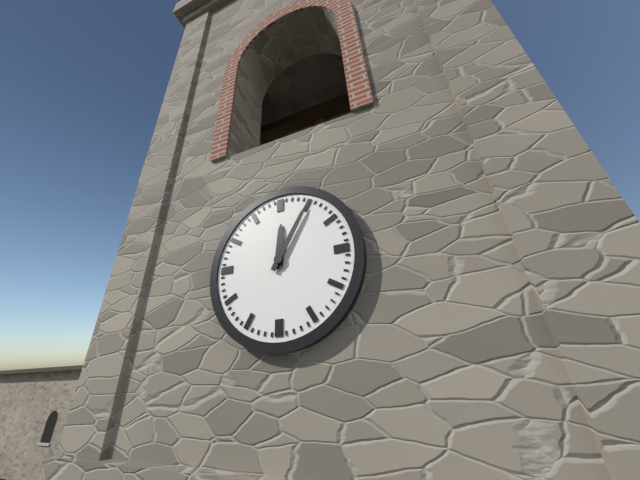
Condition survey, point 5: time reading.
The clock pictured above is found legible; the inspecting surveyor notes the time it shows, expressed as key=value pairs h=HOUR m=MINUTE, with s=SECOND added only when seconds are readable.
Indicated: h=12 m=5
